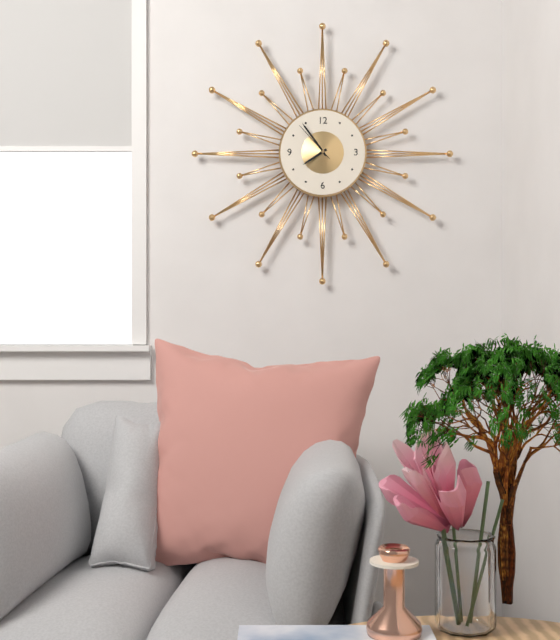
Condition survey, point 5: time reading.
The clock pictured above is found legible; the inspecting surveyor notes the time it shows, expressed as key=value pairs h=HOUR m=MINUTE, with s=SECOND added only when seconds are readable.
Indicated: h=7 m=54
